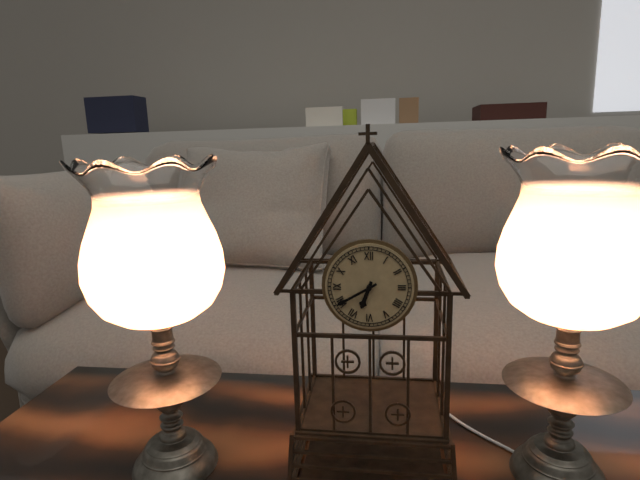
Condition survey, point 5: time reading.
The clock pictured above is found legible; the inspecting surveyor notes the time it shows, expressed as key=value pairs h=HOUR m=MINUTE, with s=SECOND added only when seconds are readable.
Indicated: h=6 m=40
